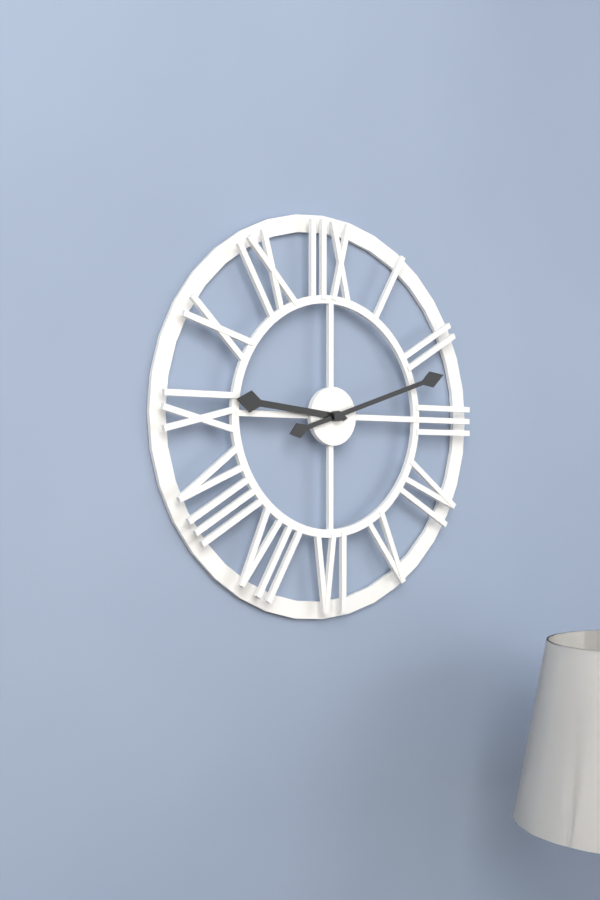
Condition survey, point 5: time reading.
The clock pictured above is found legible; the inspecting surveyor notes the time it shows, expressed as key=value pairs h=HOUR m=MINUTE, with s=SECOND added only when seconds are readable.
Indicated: h=9 m=12
